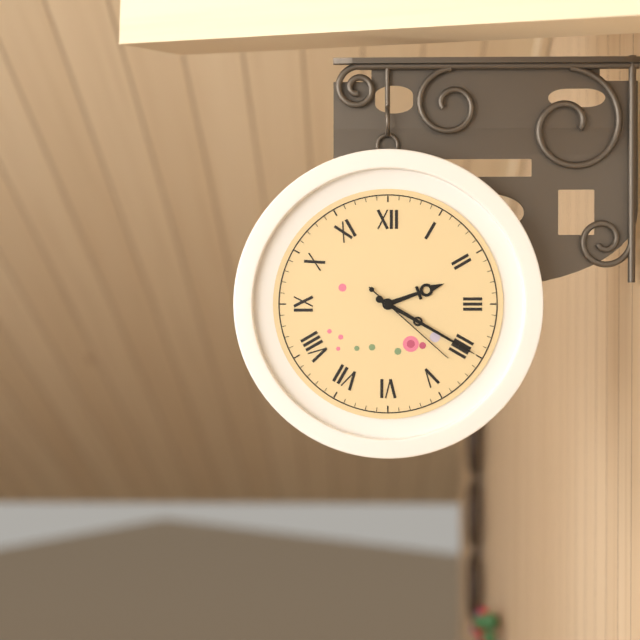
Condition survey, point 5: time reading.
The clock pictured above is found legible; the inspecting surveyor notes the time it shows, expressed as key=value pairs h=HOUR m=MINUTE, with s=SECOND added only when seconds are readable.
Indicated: h=2 m=20 s=22
